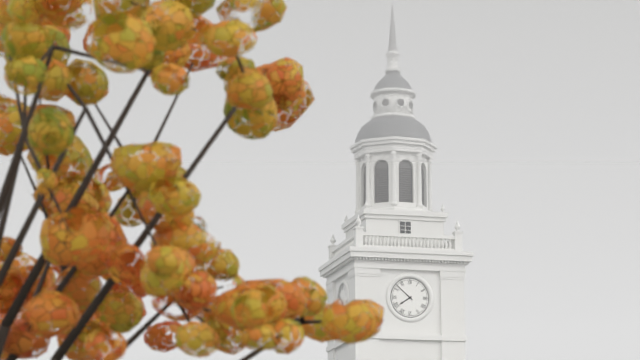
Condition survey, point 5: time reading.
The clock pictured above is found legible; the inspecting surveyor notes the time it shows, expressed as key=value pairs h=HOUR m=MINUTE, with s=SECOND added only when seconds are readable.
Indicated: h=7 m=52
